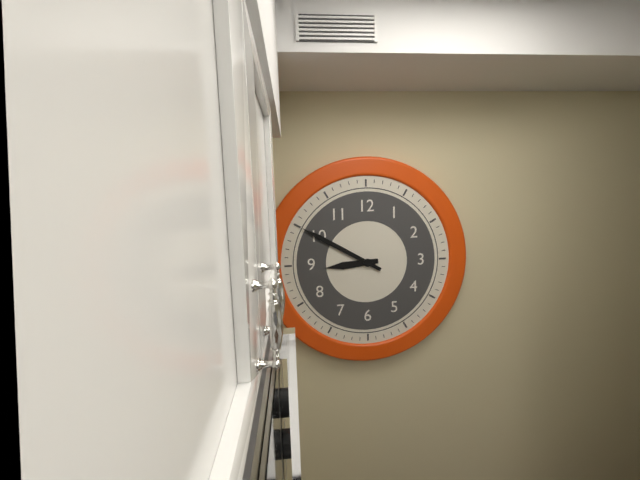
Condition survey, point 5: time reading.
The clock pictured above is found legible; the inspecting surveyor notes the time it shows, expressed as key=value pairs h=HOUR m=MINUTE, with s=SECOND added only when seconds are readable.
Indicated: h=8 m=50
